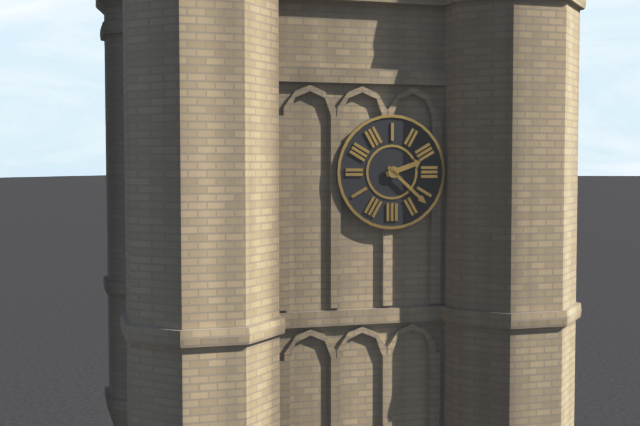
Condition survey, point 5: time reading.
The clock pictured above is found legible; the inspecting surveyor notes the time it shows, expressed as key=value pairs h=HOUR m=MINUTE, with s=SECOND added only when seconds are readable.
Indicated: h=2 m=22
